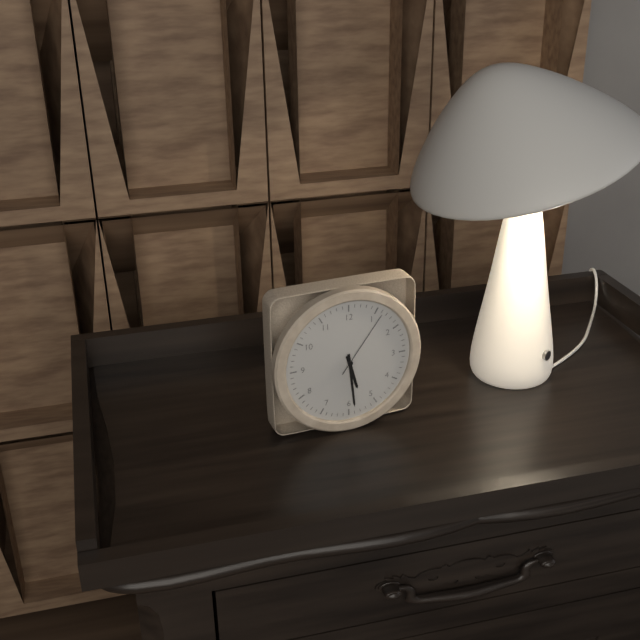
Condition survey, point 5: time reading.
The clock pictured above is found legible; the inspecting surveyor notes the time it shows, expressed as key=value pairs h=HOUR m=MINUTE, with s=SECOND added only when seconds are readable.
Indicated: h=5 m=29 s=6
